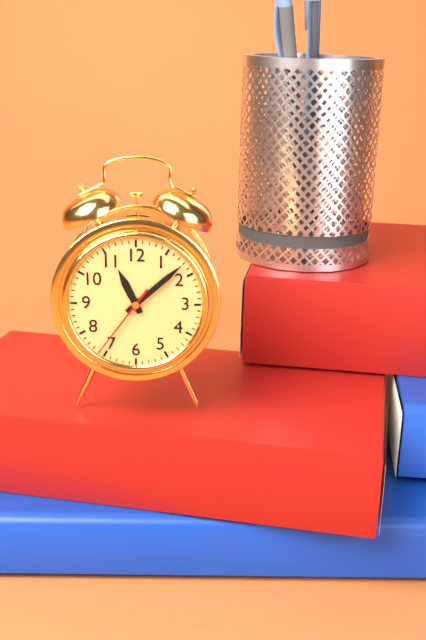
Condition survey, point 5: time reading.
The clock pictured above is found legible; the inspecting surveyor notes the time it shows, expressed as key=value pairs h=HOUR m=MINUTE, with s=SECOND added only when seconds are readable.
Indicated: h=11 m=8 s=36
